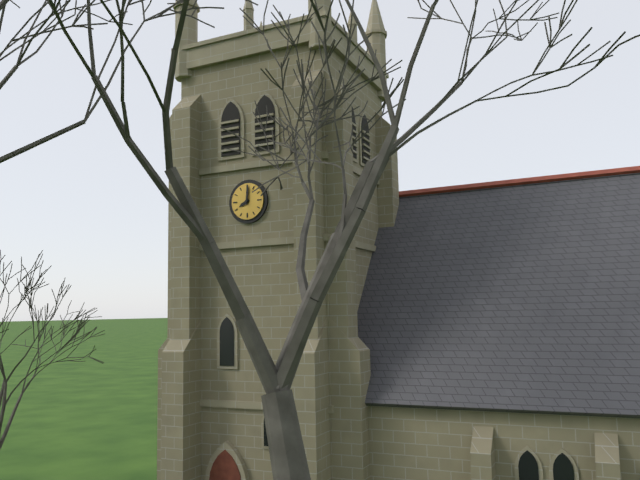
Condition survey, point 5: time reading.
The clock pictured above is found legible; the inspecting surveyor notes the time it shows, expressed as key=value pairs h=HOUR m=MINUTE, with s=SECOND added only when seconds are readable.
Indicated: h=8 m=1
